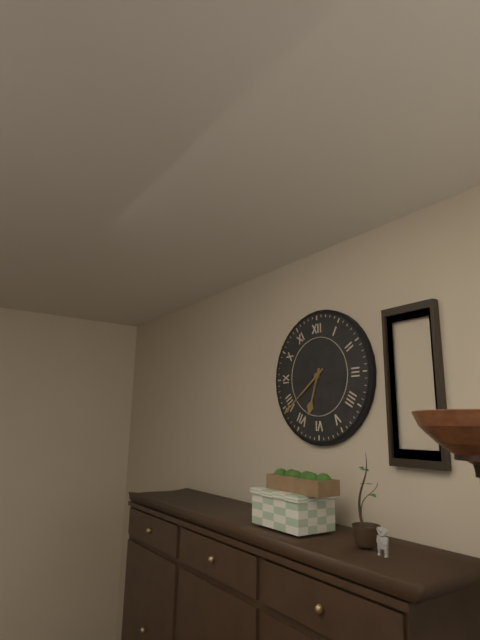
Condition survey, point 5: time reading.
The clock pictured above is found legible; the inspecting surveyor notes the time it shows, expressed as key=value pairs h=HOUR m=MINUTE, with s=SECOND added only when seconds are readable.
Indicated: h=6 m=39
